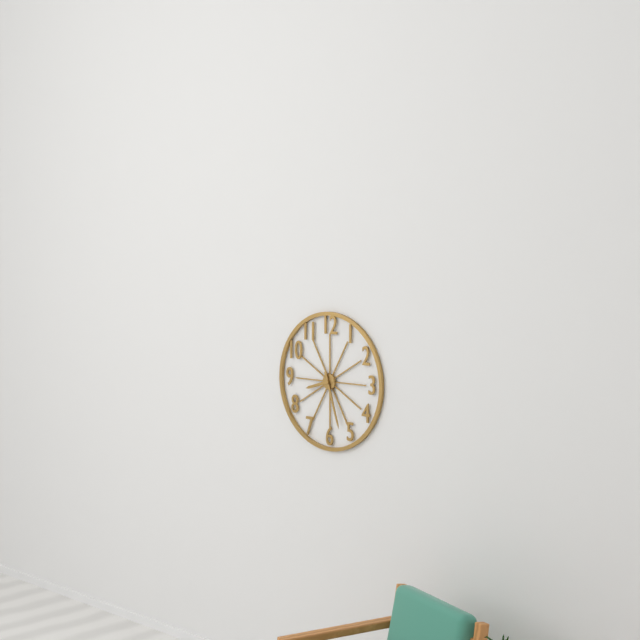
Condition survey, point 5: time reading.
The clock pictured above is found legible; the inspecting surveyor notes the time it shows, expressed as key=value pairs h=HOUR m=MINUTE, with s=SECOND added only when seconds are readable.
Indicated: h=8 m=27
